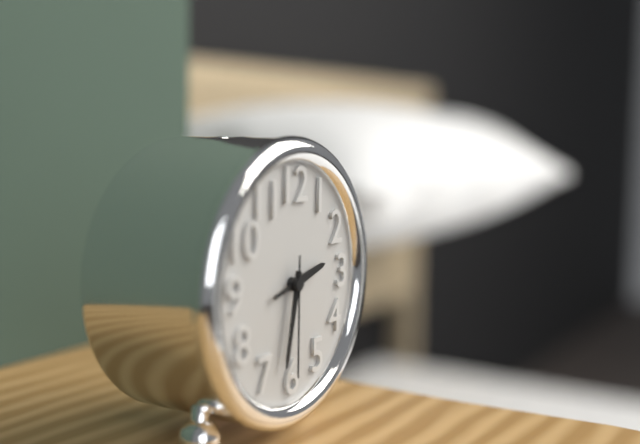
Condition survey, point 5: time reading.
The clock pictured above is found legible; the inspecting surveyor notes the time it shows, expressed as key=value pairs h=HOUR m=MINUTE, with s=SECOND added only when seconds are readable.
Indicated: h=2 m=32 s=30
